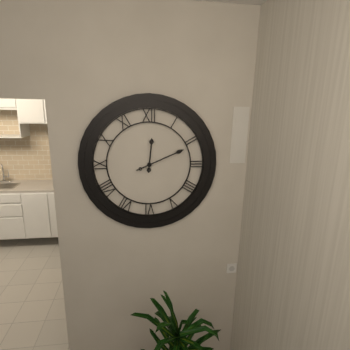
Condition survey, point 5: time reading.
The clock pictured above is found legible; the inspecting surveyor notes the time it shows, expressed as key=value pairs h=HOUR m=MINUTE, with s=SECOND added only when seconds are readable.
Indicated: h=12 m=11
